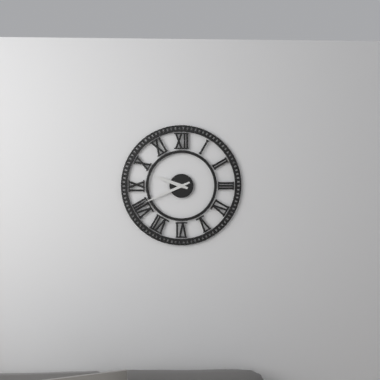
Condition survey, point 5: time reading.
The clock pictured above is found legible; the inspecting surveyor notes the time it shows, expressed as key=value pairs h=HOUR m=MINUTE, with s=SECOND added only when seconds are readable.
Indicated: h=9 m=41
